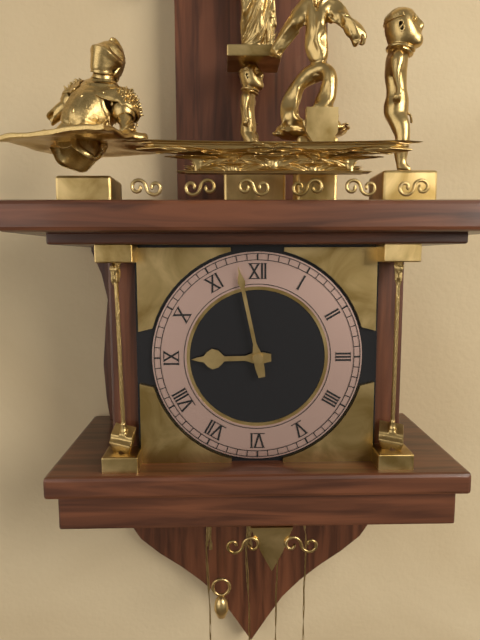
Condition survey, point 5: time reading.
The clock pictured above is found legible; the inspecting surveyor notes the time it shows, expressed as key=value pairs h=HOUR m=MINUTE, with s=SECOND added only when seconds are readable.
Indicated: h=8 m=58
